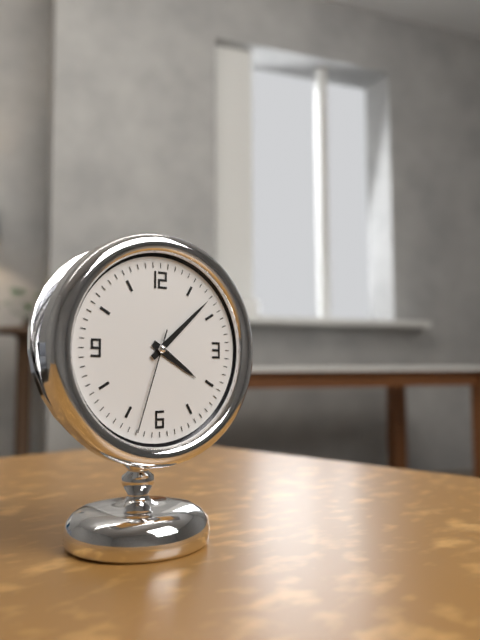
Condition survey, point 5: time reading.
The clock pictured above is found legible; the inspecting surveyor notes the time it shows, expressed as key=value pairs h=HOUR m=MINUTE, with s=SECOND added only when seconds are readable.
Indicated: h=4 m=8 s=33
